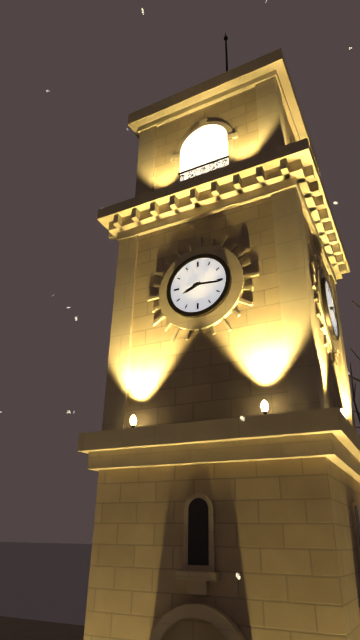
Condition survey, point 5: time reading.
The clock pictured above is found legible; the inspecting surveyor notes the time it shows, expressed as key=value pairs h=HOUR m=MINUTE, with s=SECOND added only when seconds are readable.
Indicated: h=8 m=16
